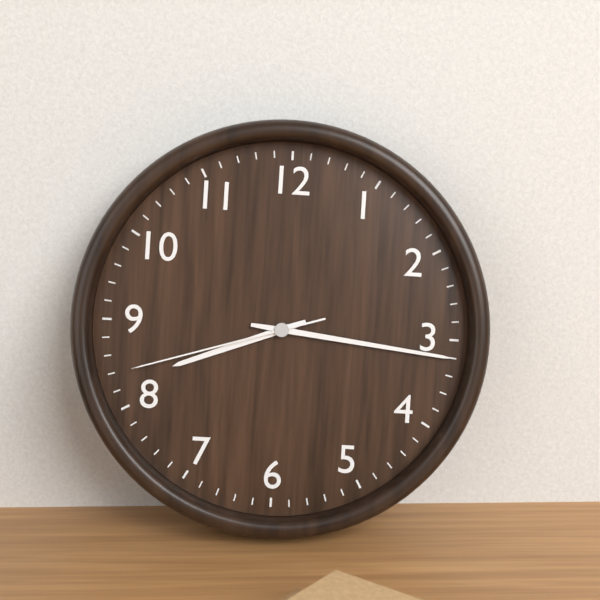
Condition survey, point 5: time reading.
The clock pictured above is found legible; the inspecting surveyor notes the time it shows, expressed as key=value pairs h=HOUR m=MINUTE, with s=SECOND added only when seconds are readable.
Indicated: h=8 m=16 s=42
